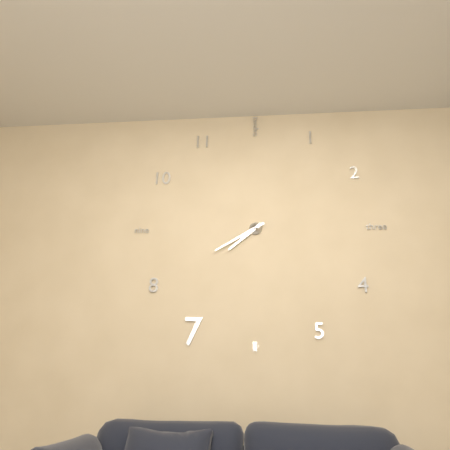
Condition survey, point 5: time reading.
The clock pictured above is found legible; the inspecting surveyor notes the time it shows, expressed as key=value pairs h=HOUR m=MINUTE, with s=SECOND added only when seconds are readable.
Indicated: h=7 m=40
